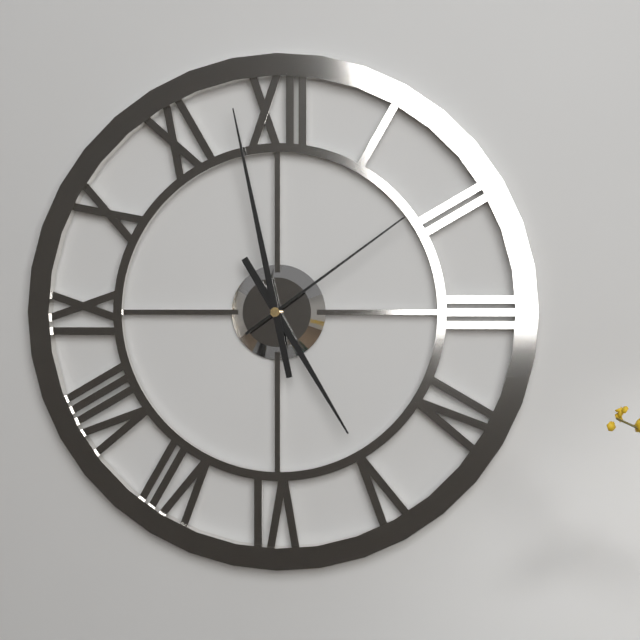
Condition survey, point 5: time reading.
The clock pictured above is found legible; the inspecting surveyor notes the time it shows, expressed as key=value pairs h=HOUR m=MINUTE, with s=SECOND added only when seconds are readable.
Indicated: h=4 m=58 s=9
